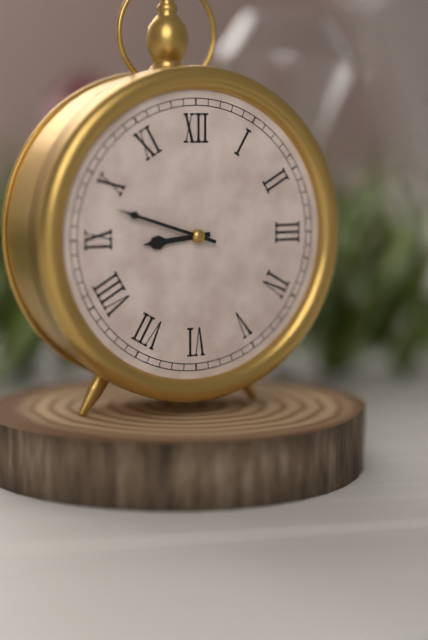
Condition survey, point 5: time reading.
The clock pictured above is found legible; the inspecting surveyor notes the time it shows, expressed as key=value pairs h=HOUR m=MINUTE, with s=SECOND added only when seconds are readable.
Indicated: h=8 m=48
